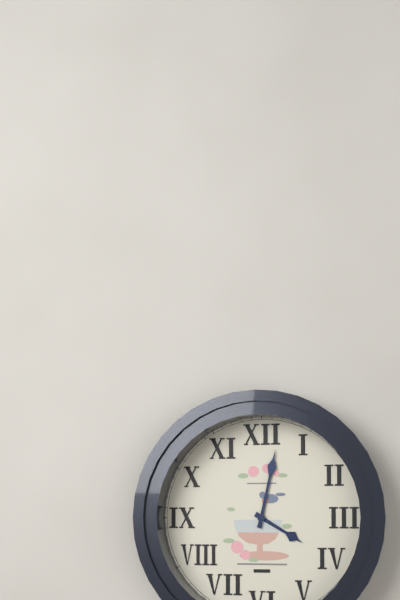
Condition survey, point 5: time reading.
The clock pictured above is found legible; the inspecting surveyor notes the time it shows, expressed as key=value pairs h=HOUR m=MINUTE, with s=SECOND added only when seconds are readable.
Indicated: h=4 m=2
